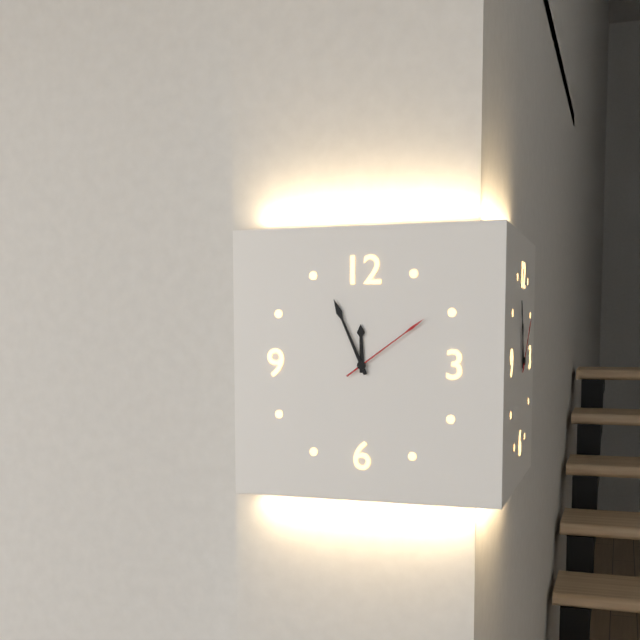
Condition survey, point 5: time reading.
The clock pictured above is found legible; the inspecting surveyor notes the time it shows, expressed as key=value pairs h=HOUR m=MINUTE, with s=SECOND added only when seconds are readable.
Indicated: h=11 m=56 s=9
